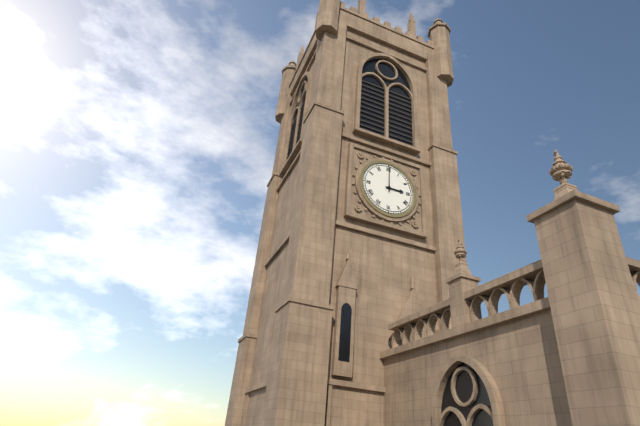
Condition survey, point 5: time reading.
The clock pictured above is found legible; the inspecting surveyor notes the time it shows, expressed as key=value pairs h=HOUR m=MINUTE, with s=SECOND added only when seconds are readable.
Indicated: h=3 m=0
